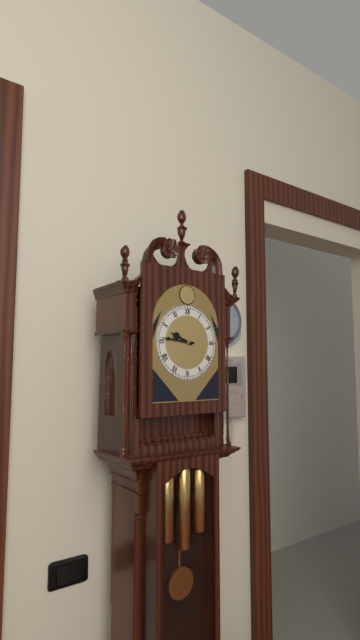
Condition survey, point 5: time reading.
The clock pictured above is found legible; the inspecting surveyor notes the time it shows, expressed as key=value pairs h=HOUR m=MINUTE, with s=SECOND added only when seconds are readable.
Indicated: h=9 m=46
